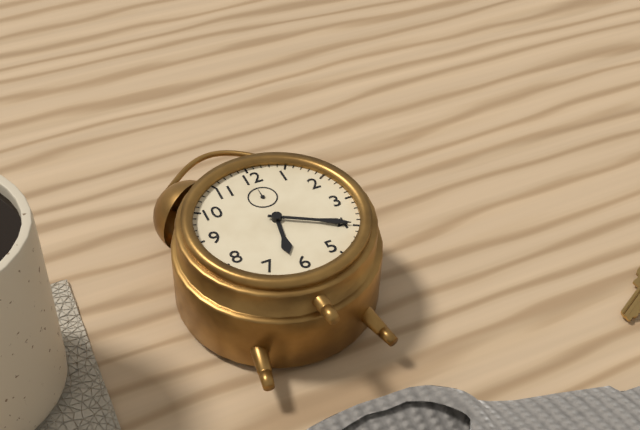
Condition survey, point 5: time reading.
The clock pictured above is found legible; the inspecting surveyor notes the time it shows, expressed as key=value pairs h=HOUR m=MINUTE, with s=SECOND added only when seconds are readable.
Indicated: h=6 m=20
